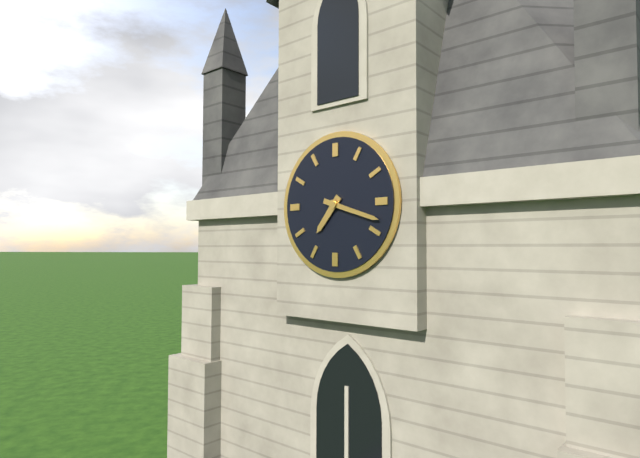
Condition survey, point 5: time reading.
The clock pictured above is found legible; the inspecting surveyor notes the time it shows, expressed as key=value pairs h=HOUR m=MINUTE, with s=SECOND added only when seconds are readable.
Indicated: h=7 m=18
